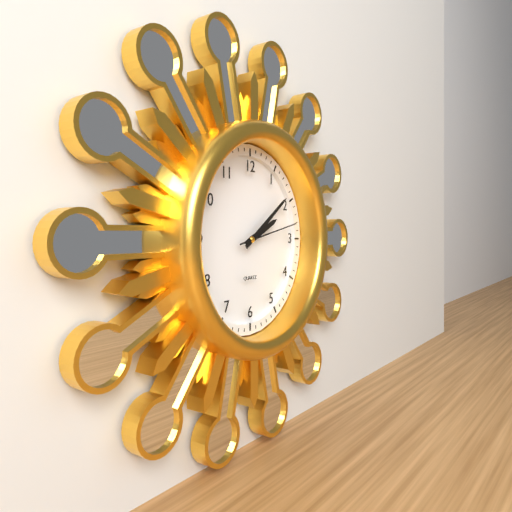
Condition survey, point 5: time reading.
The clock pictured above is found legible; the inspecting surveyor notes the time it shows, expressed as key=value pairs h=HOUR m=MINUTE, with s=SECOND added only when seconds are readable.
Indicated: h=2 m=9 s=13
